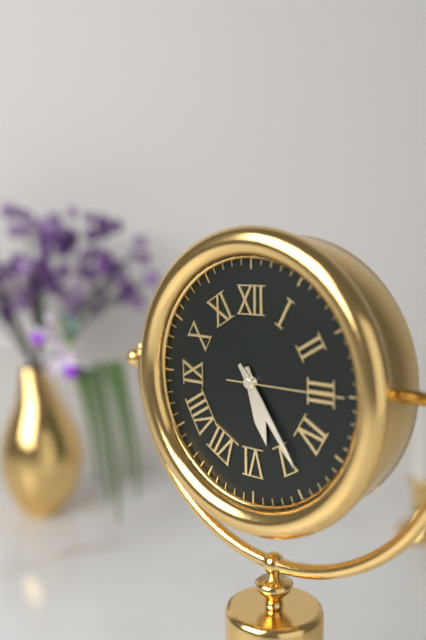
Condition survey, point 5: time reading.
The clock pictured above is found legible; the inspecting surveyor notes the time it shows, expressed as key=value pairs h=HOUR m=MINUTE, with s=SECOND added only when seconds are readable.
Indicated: h=5 m=24 s=15
